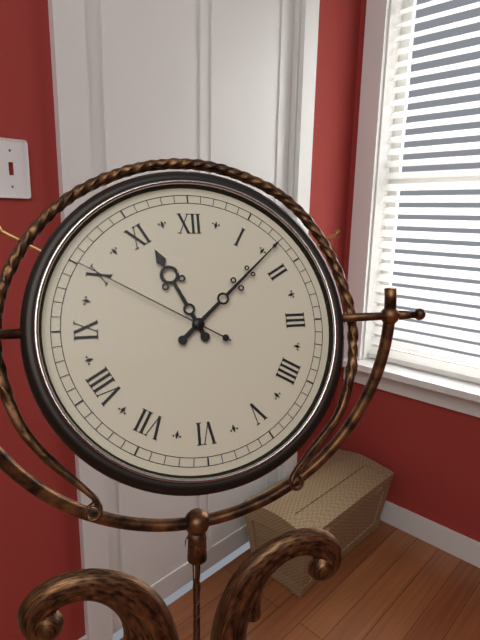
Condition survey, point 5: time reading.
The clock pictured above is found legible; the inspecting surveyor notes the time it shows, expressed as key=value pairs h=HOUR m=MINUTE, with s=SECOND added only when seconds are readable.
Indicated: h=11 m=8 s=50
